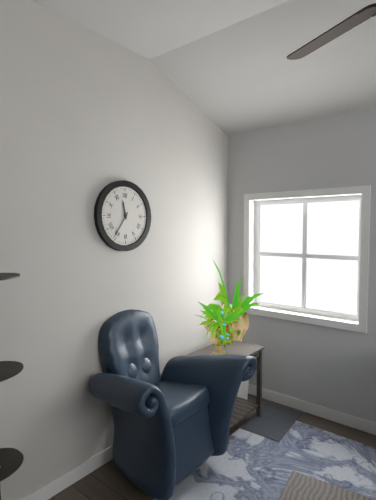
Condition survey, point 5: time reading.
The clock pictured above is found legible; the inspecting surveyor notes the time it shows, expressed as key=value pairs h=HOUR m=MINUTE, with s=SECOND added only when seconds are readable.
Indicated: h=11 m=36
